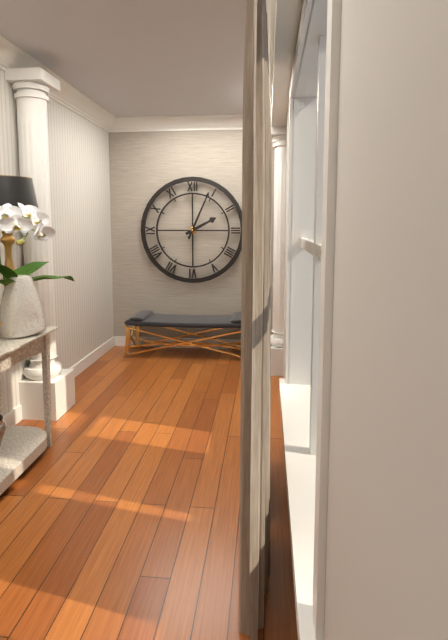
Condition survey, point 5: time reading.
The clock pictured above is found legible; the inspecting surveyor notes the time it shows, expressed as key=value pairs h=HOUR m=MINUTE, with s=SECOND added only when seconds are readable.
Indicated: h=2 m=4
